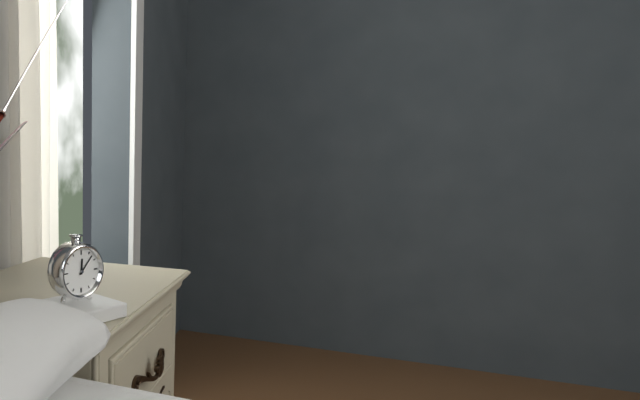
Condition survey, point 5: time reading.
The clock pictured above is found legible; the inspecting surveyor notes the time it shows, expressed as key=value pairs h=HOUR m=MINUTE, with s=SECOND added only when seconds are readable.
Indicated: h=12 m=7
